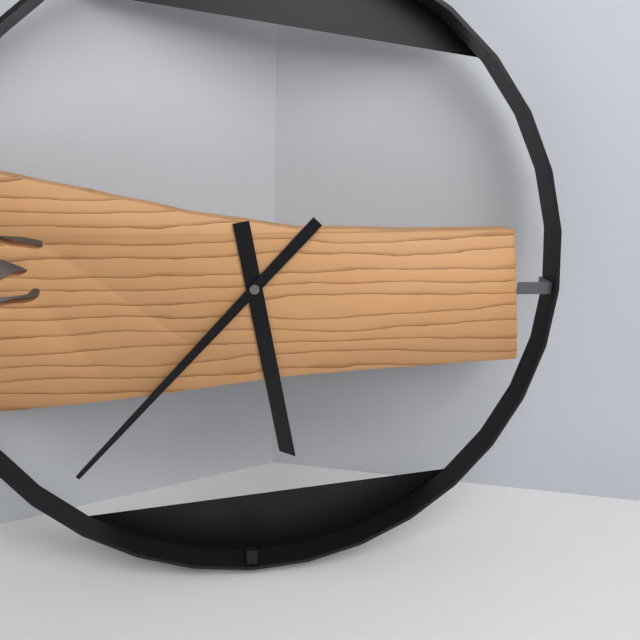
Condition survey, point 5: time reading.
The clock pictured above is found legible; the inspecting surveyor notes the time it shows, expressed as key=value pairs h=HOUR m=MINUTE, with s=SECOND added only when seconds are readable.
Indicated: h=5 m=37
